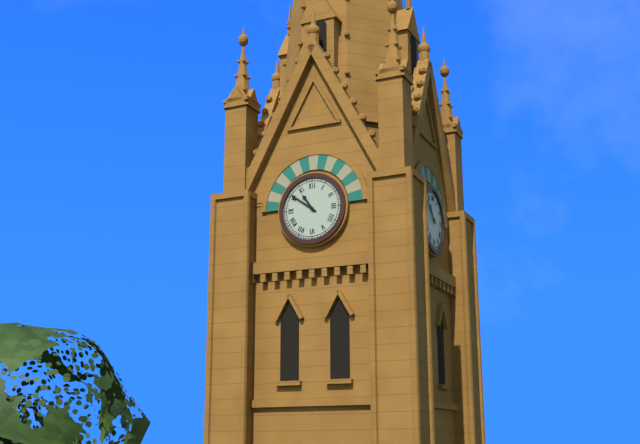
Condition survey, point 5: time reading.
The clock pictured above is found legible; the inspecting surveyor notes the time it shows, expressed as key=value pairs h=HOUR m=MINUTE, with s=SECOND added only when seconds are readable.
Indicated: h=10 m=51
